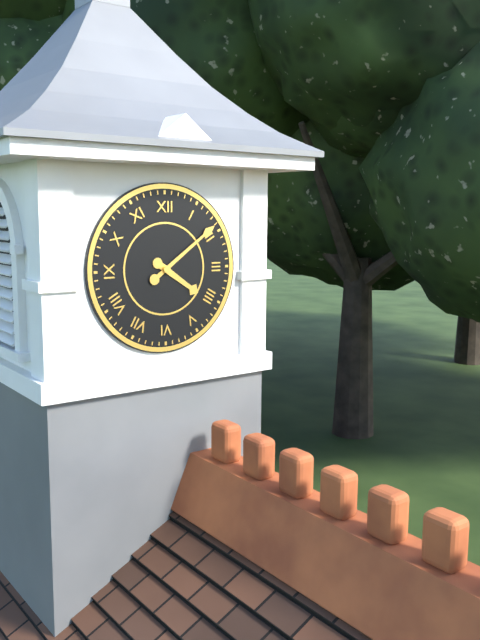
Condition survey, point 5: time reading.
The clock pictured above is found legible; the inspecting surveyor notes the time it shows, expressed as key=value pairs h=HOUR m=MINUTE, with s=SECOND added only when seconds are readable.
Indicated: h=4 m=9
